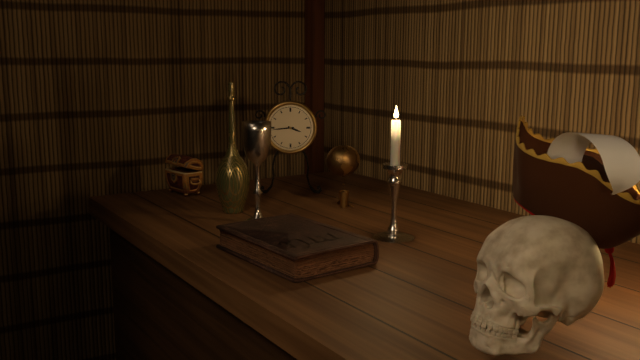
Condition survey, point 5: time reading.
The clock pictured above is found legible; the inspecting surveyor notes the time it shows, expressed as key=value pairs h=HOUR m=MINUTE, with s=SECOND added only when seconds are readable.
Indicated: h=3 m=44
